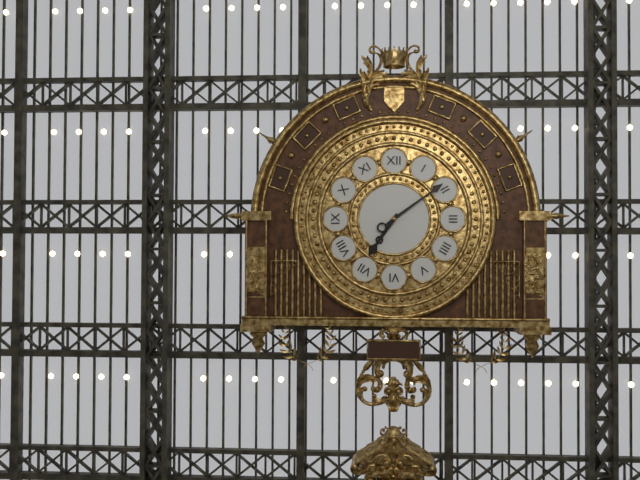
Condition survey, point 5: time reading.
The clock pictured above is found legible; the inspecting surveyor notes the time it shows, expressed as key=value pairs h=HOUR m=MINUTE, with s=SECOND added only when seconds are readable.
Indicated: h=7 m=9
